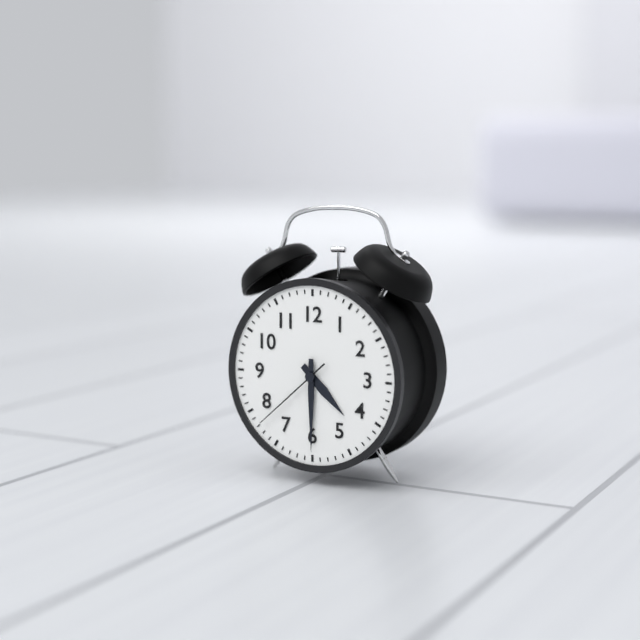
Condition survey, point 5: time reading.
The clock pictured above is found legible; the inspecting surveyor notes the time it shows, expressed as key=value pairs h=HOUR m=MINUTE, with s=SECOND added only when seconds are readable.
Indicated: h=4 m=30 s=38
